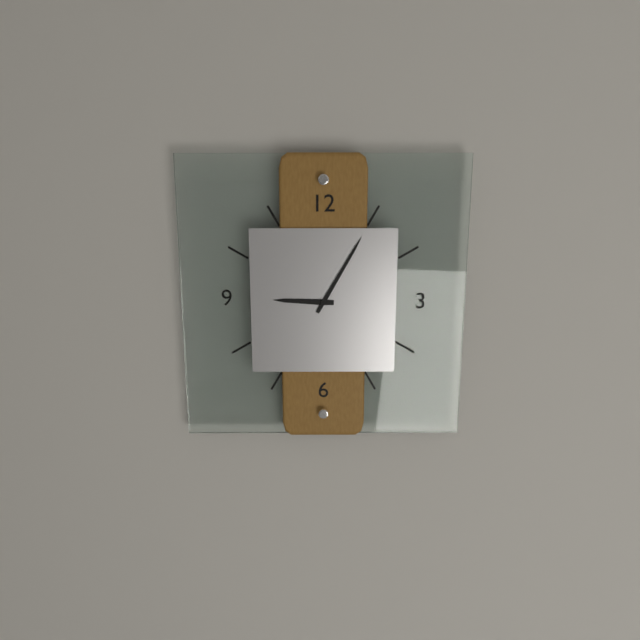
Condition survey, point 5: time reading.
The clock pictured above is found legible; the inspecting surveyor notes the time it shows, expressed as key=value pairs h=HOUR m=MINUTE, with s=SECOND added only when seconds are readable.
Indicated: h=9 m=5
